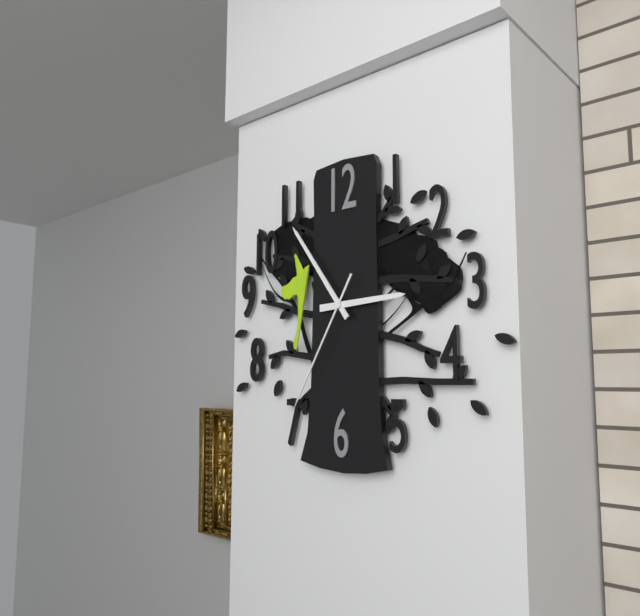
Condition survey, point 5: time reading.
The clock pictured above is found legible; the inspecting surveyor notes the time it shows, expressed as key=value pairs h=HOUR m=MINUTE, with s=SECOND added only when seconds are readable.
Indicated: h=2 m=54 s=35
